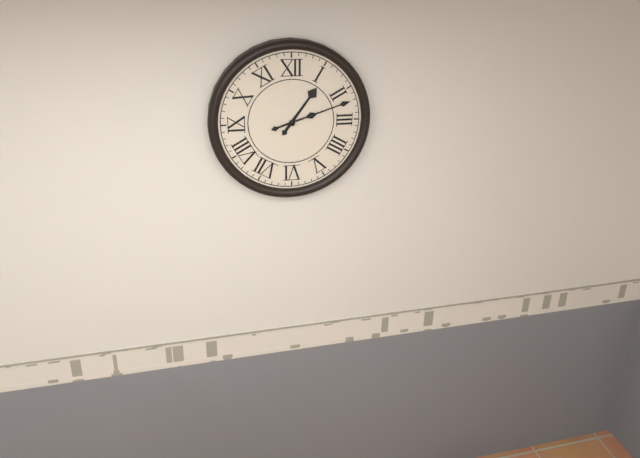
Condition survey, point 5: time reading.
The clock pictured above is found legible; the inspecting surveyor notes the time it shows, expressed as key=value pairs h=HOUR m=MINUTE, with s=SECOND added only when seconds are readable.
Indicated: h=1 m=12
